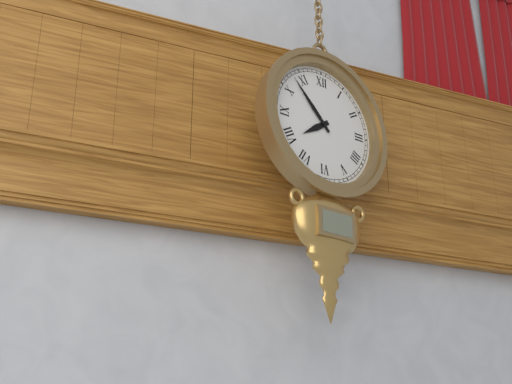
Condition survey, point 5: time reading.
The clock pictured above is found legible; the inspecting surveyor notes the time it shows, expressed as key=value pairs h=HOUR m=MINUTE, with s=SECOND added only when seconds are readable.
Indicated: h=7 m=53
